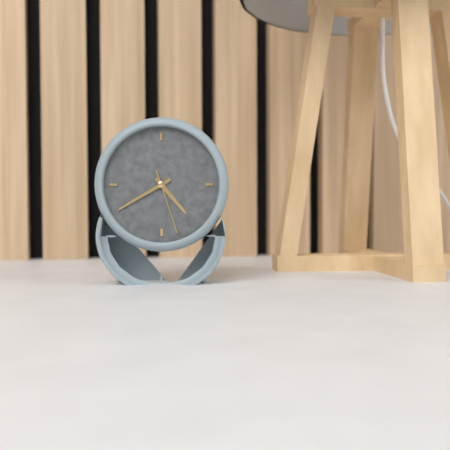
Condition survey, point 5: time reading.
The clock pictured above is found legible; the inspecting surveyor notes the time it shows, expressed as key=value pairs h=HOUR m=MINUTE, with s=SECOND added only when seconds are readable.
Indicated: h=4 m=40 s=27
